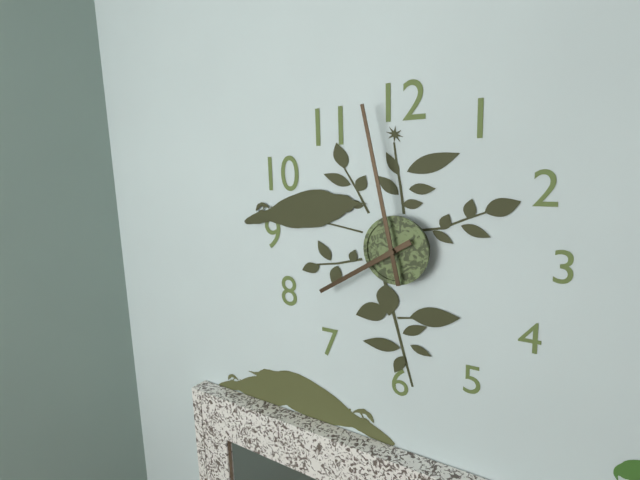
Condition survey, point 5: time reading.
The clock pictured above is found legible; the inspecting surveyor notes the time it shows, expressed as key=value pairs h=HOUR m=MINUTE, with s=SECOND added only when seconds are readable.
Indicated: h=7 m=58
